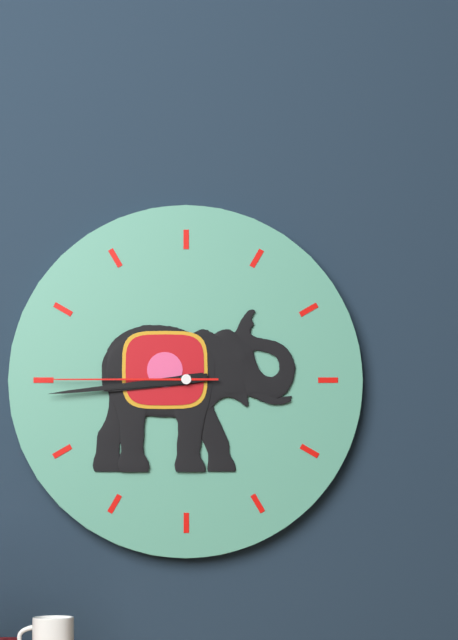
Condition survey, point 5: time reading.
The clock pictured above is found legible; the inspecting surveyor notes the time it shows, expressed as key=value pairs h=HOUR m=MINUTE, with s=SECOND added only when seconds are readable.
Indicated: h=8 m=44 s=45
